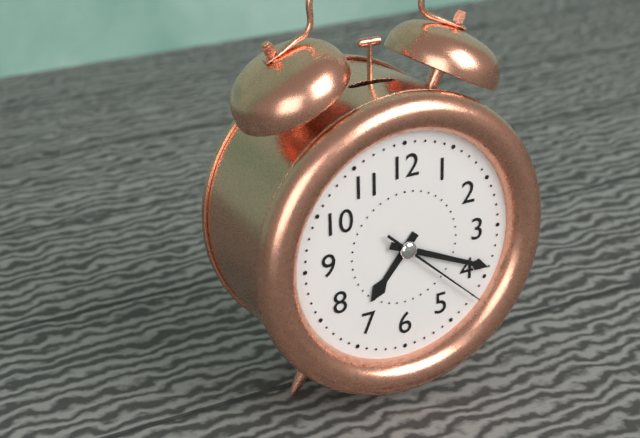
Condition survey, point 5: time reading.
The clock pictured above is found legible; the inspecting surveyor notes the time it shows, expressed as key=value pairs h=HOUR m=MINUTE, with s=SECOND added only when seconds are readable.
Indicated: h=7 m=19 s=22
